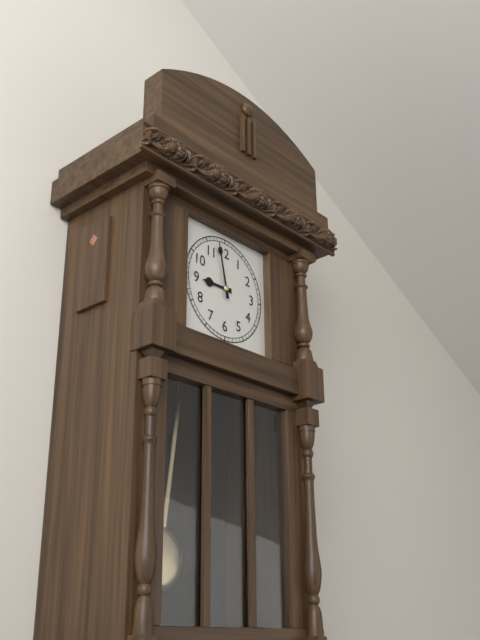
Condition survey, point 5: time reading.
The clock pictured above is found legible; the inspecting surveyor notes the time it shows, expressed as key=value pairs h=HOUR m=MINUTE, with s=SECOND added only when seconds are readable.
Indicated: h=8 m=58
